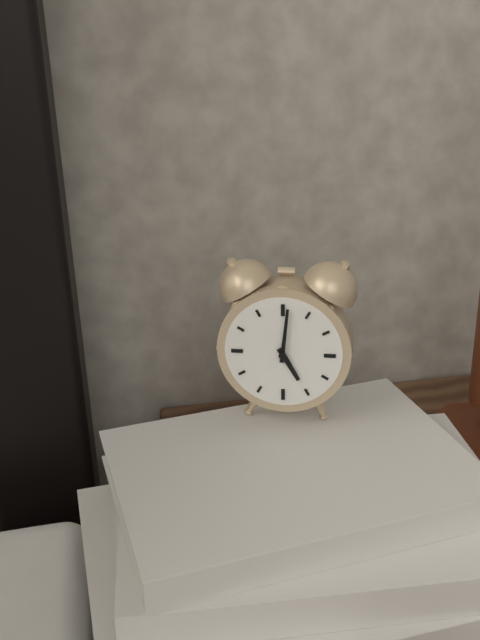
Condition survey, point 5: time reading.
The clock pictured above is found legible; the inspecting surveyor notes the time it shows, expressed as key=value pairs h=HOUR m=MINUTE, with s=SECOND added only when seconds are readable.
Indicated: h=5 m=1
